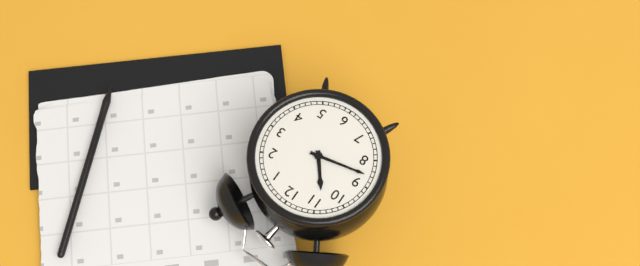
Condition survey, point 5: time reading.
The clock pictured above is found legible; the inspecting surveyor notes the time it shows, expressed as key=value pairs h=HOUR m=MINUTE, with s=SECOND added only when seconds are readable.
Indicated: h=10 m=43
